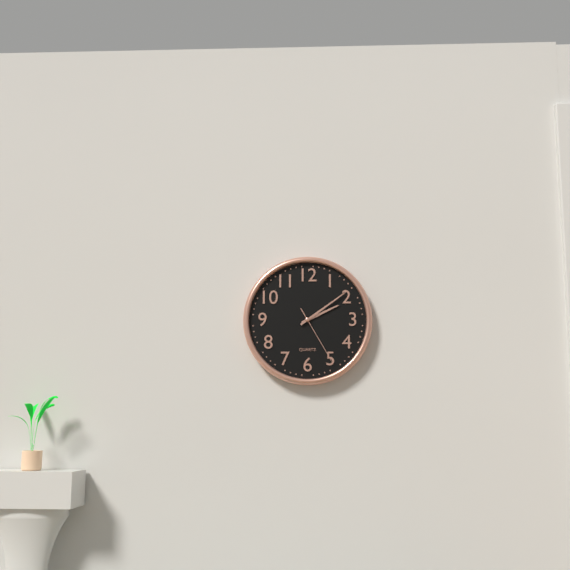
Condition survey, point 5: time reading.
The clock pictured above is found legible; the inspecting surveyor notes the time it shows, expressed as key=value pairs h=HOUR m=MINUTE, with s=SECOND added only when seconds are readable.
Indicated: h=2 m=9 s=25
